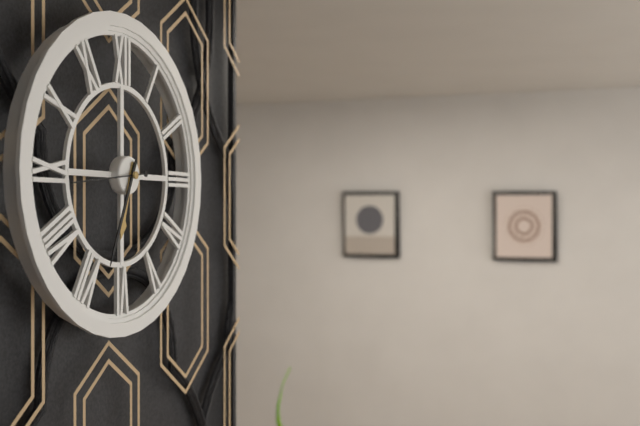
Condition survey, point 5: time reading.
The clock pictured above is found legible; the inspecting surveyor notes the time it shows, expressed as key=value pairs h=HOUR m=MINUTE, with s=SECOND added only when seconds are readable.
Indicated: h=6 m=34 s=44
